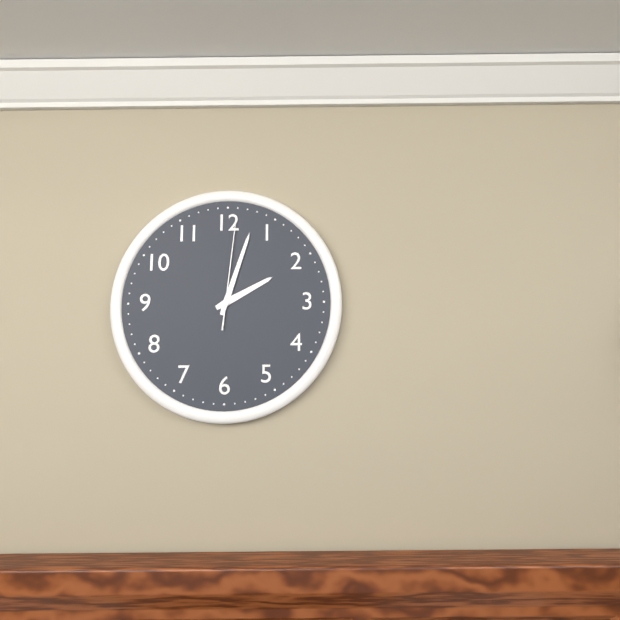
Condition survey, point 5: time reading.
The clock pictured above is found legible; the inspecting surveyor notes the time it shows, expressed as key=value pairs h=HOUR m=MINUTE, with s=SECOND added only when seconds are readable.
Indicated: h=2 m=3 s=1
